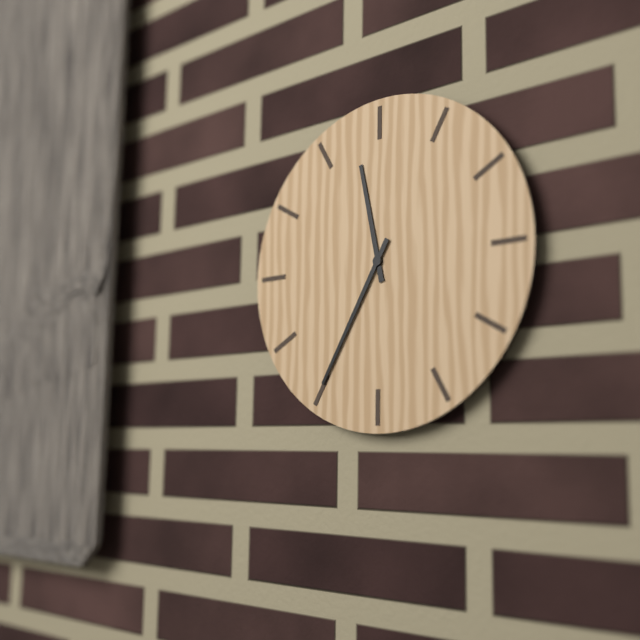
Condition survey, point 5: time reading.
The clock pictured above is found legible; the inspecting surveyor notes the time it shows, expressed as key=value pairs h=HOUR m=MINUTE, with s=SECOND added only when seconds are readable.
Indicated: h=11 m=35
